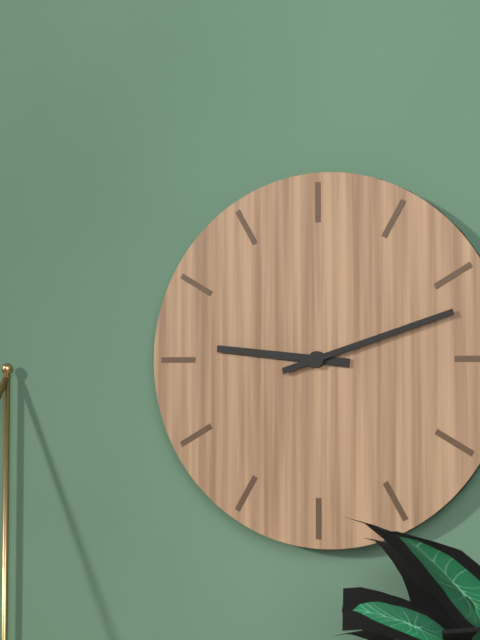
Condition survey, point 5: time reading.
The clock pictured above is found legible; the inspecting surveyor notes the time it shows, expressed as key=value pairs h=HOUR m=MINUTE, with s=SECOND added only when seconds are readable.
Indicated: h=9 m=12
